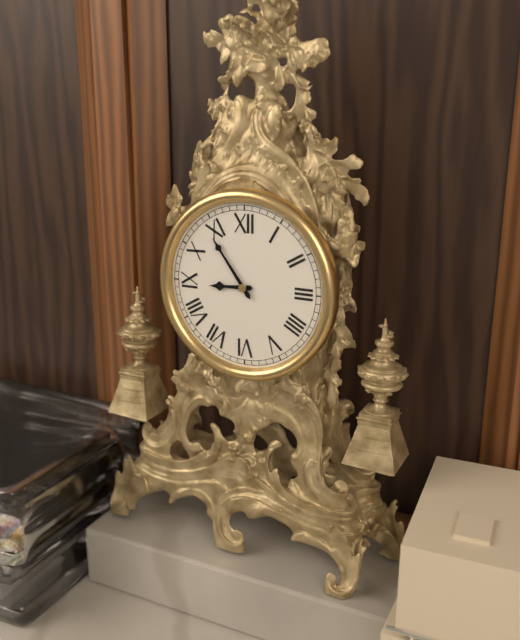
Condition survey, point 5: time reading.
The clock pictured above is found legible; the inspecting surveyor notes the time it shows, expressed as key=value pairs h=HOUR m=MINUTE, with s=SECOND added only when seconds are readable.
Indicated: h=8 m=54
